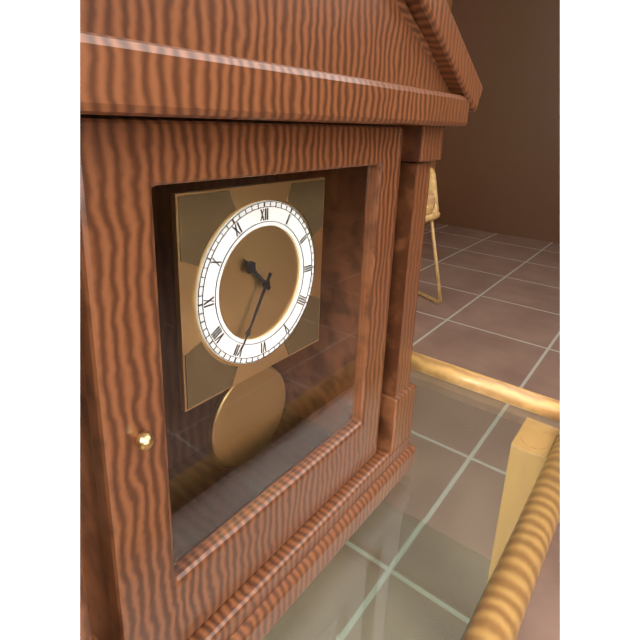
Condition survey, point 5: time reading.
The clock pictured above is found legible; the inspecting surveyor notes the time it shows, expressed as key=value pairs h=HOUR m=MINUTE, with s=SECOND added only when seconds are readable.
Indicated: h=10 m=35
